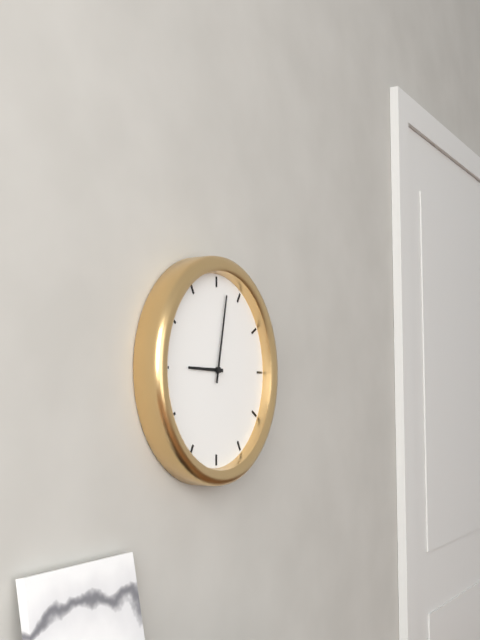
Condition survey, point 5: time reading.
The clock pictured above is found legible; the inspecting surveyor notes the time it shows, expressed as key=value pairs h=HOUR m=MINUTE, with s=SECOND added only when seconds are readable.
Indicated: h=9 m=2
